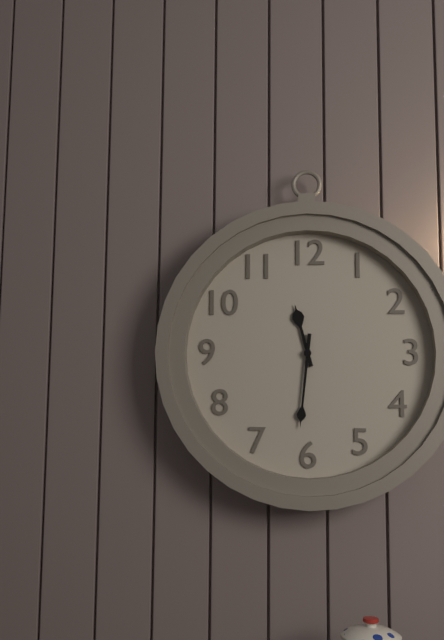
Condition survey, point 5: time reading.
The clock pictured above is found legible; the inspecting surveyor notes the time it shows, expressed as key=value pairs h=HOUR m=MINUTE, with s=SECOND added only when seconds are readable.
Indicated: h=11 m=31
